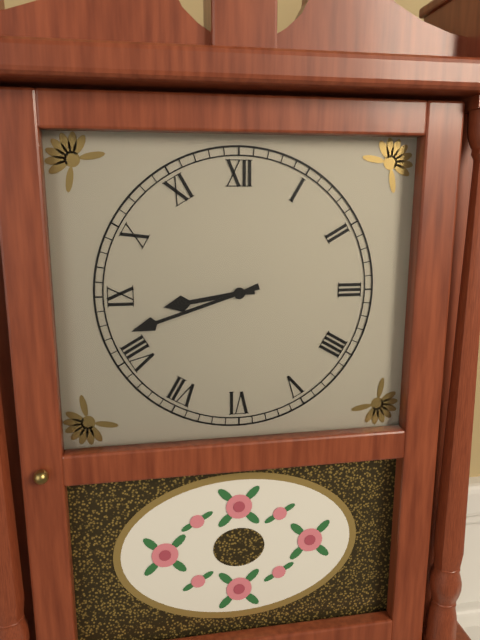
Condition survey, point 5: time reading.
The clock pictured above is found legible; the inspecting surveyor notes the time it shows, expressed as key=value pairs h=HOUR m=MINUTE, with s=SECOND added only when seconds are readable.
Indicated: h=8 m=42
